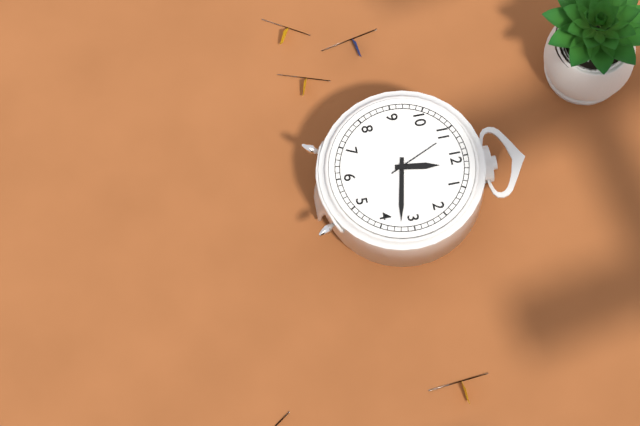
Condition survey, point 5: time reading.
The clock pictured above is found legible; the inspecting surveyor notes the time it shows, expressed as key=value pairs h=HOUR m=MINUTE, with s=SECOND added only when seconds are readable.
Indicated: h=12 m=17 s=56
